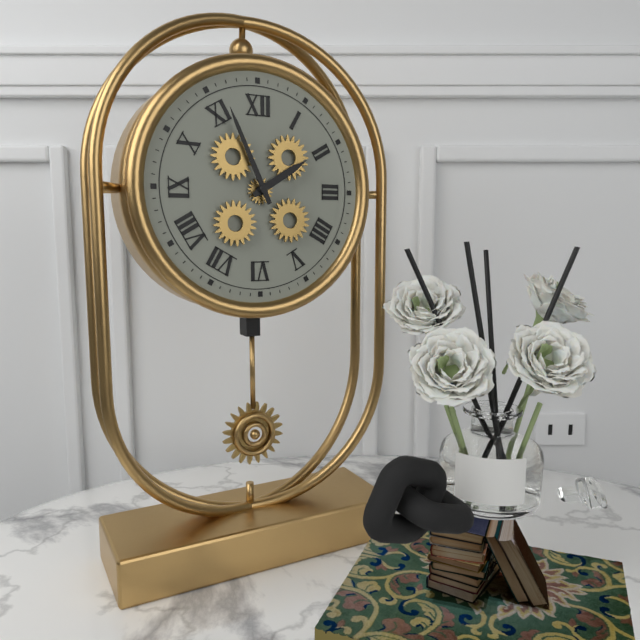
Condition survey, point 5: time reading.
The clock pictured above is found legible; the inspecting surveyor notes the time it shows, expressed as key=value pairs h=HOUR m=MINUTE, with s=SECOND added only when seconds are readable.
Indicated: h=1 m=56
